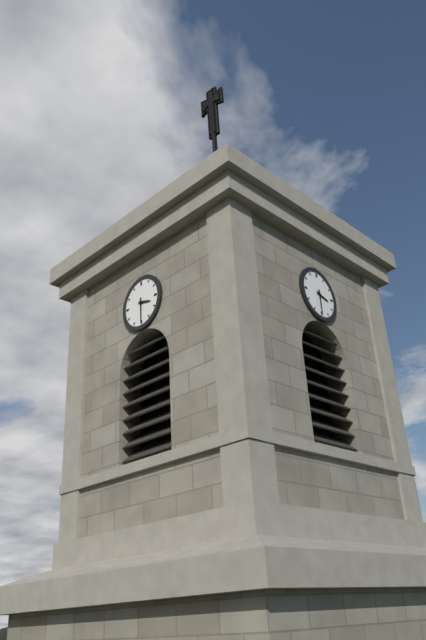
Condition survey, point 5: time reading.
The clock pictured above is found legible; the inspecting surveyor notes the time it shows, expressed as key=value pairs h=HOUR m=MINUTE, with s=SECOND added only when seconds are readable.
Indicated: h=3 m=30
